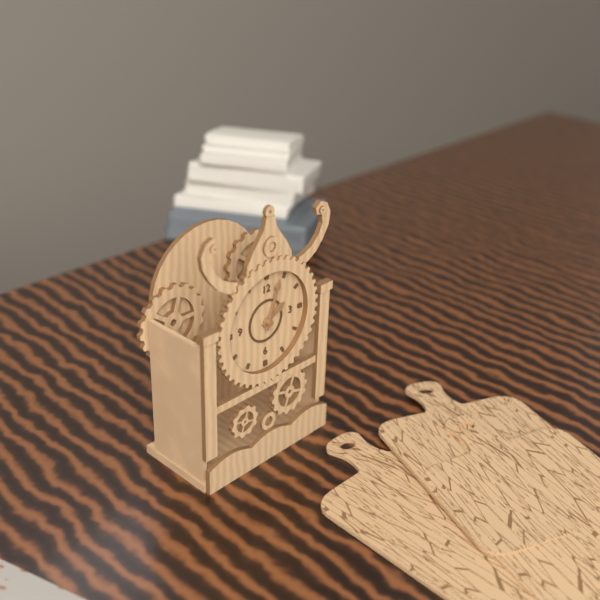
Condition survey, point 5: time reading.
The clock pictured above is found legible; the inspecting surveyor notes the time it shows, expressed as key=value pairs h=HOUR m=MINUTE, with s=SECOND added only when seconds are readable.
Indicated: h=2 m=3
